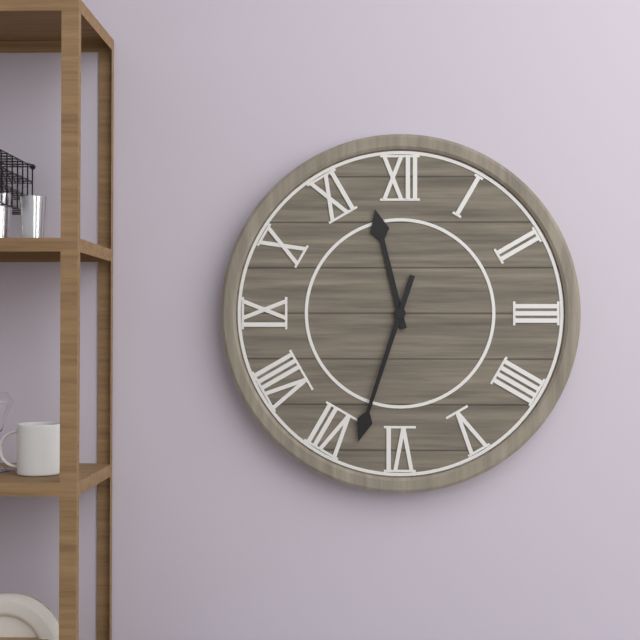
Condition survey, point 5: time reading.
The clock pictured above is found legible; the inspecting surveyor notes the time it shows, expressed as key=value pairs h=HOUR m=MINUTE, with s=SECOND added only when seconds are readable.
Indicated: h=11 m=33
